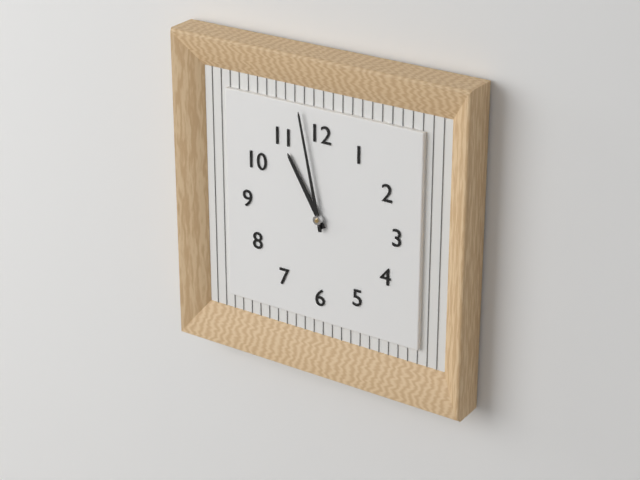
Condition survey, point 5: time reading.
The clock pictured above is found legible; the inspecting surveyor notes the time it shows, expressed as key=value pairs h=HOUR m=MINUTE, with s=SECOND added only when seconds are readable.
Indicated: h=10 m=58
